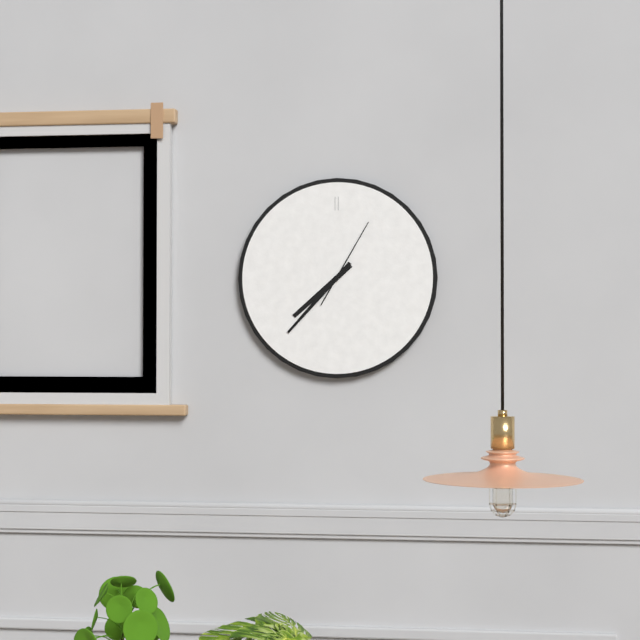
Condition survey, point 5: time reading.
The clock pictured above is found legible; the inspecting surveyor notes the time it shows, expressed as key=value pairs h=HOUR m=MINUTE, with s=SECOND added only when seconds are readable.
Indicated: h=7 m=37 s=5
